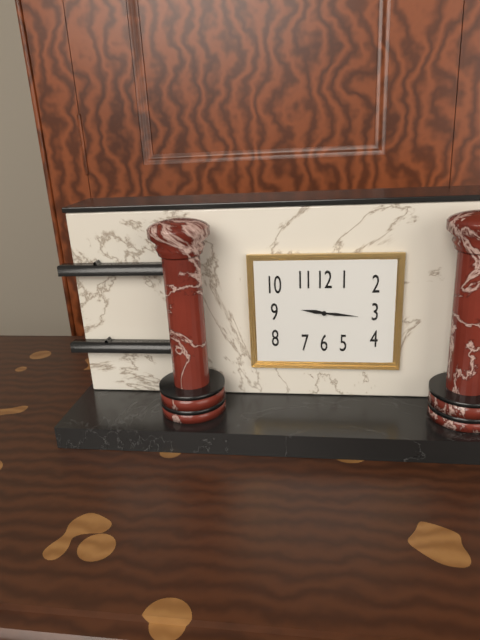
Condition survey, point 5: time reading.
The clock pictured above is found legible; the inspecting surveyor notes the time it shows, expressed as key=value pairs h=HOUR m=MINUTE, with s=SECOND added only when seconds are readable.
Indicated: h=9 m=16
